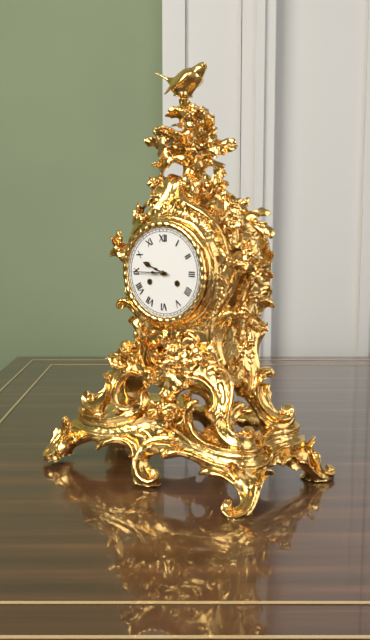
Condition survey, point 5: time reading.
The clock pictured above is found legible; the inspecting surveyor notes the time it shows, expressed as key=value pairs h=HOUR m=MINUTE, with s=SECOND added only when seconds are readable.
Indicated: h=9 m=45
